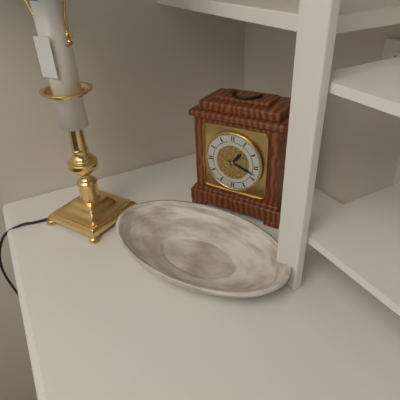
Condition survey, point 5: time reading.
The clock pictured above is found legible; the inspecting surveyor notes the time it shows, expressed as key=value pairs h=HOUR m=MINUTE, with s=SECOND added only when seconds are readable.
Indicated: h=1 m=18
